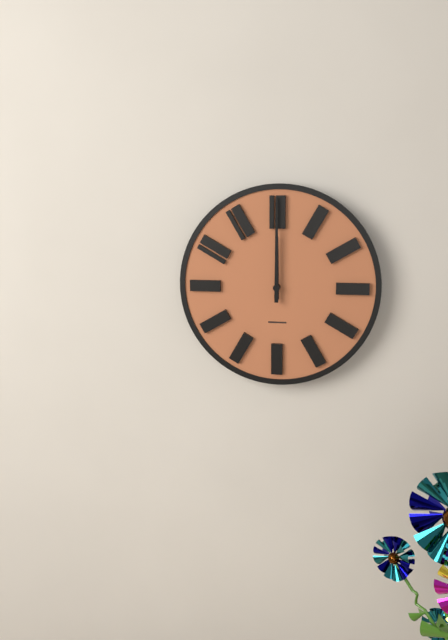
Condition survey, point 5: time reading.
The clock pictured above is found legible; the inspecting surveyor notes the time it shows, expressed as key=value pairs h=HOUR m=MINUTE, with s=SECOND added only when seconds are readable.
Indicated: h=12 m=0
